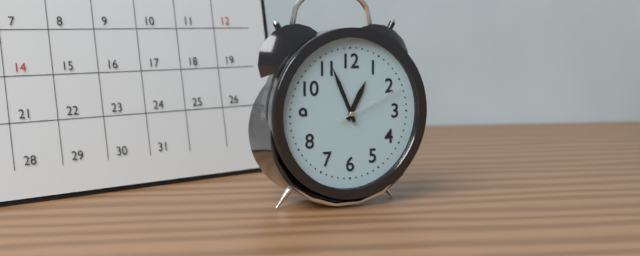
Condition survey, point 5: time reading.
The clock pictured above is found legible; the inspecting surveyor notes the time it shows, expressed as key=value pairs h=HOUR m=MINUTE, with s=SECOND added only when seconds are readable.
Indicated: h=12 m=56 s=11
